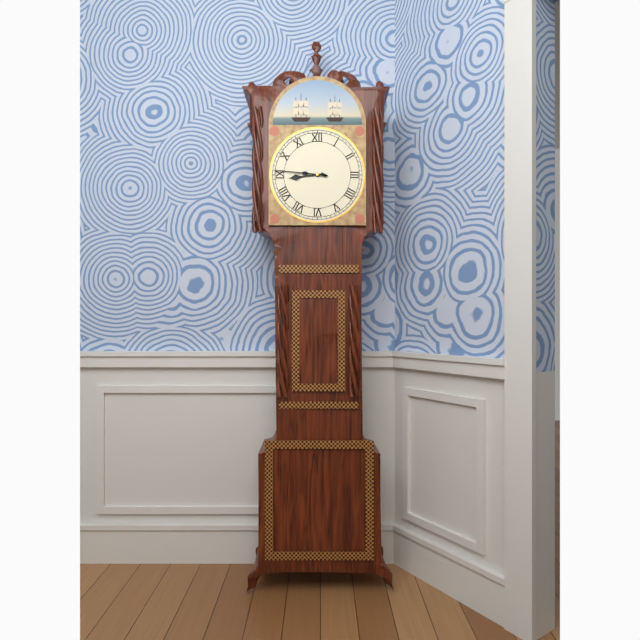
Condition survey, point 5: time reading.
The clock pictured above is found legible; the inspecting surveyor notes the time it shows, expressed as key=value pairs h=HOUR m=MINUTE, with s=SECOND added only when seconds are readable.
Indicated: h=8 m=46
